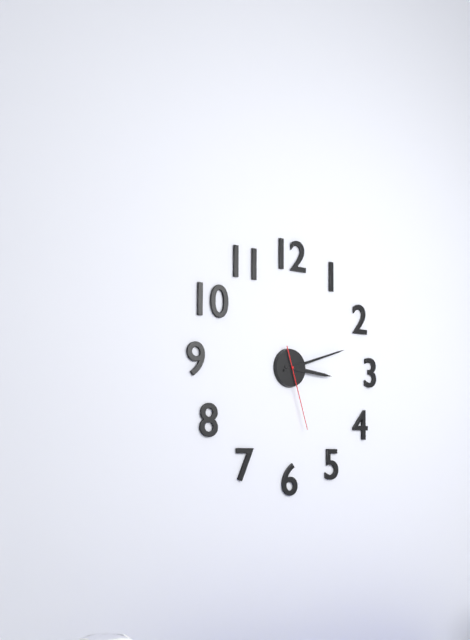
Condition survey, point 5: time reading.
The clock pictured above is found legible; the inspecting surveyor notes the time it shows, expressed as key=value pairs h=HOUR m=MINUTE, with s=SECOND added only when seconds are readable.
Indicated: h=3 m=12 s=27
